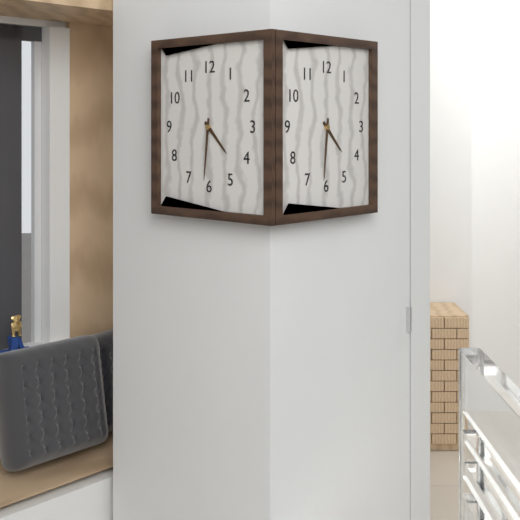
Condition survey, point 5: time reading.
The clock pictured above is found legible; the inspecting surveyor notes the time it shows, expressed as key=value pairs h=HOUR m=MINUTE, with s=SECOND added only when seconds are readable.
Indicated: h=4 m=31
